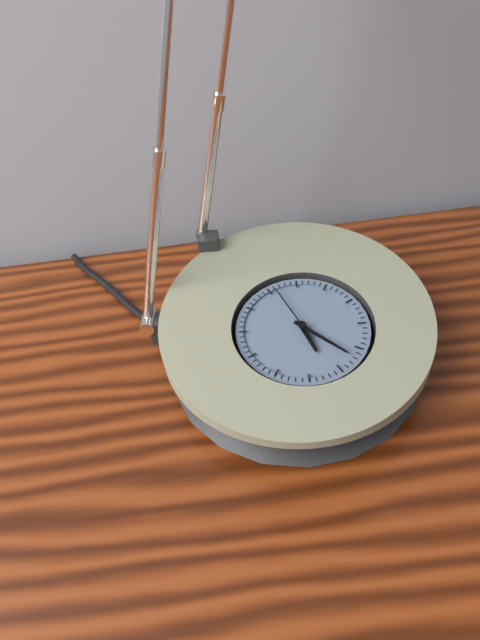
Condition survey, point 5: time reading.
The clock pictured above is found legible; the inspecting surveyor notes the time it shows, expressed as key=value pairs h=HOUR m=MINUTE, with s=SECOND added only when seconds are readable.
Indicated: h=5 m=22 s=56
